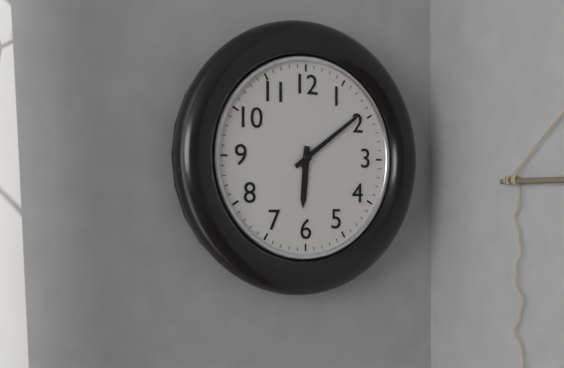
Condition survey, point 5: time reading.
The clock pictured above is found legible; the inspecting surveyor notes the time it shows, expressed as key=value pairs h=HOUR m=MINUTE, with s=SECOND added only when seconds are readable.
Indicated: h=6 m=9
